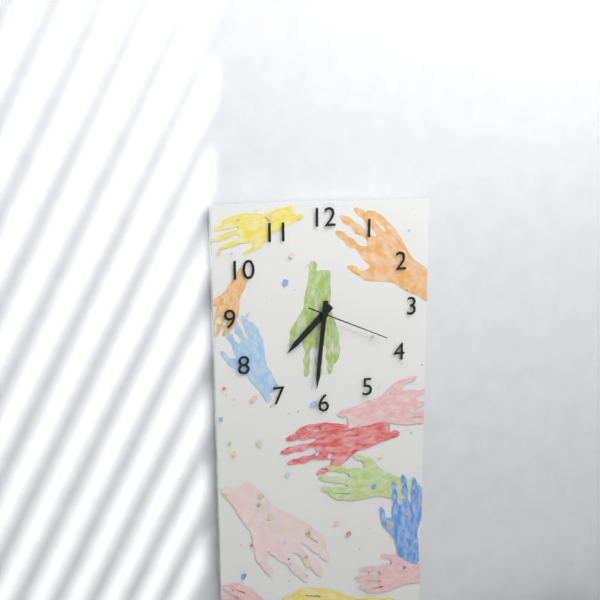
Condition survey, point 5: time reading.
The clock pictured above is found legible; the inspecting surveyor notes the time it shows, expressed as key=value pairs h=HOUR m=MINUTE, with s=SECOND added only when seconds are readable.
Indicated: h=7 m=31 s=19
